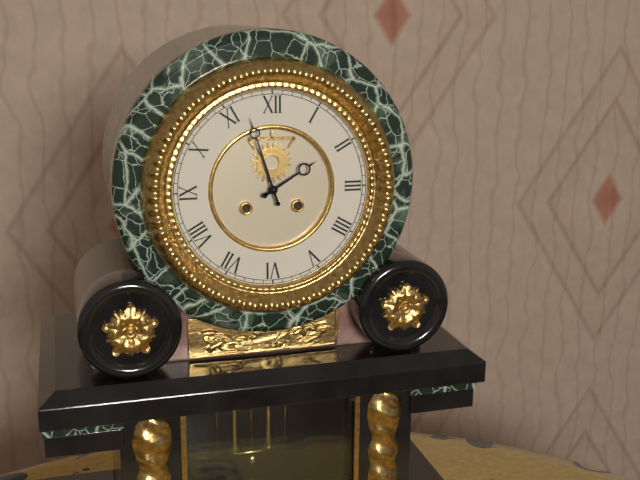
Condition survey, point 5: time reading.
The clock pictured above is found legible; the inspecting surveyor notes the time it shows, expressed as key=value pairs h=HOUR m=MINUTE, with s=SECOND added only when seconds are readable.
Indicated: h=1 m=57
